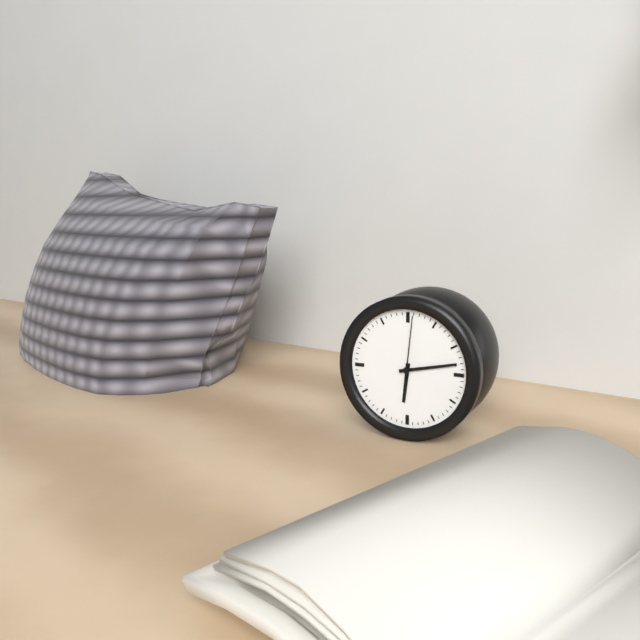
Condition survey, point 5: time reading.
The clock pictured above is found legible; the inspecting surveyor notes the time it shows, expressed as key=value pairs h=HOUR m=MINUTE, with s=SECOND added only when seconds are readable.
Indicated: h=6 m=13 s=1
